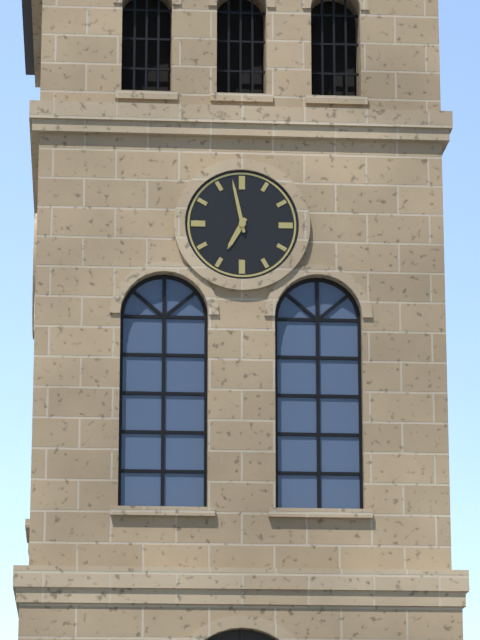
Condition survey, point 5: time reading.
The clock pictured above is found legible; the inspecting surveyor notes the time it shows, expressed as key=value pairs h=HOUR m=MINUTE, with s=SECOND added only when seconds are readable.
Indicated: h=6 m=58
